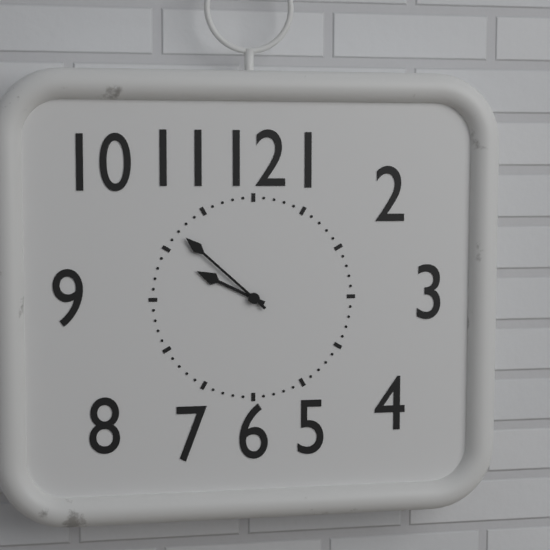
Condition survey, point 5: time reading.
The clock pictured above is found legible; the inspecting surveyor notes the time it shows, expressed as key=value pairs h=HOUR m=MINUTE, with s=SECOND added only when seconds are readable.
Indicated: h=9 m=52
